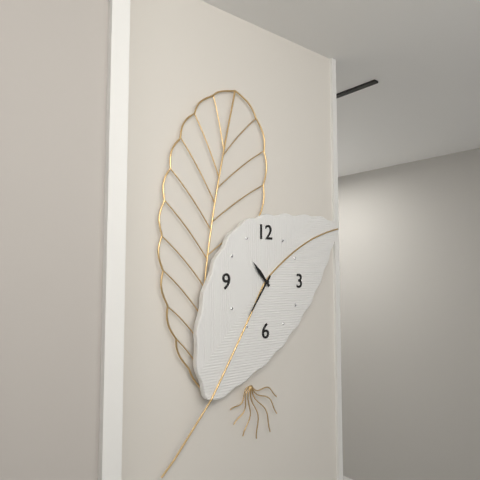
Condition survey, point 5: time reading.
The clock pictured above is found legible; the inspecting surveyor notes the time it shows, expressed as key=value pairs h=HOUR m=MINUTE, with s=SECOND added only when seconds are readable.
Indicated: h=10 m=36
